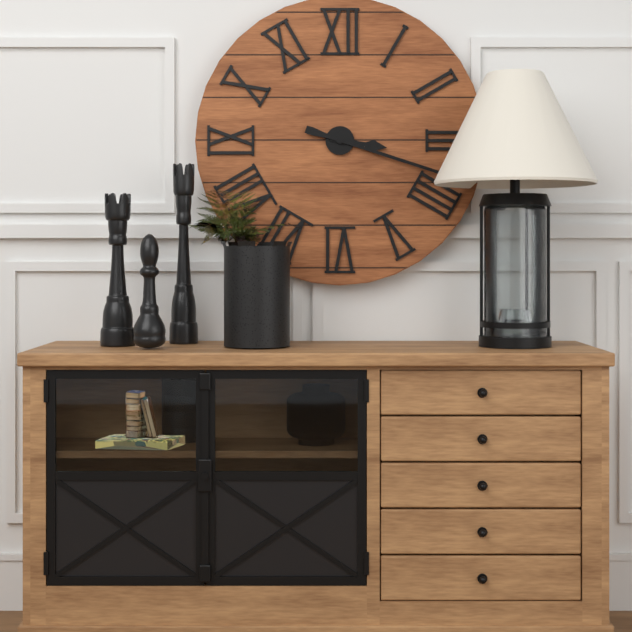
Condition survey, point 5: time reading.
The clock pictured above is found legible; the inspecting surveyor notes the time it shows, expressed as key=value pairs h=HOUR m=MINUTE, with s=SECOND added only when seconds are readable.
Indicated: h=3 m=18
